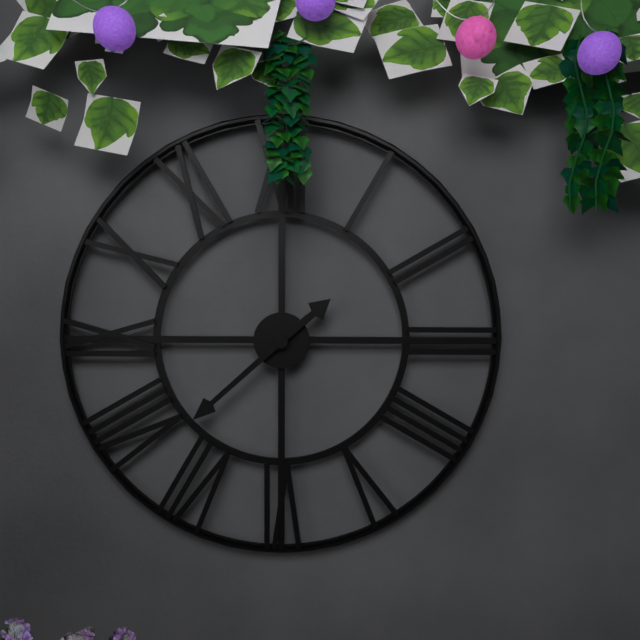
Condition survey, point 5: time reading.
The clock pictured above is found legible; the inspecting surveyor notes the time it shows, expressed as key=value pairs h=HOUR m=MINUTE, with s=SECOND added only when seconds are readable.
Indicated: h=1 m=38
